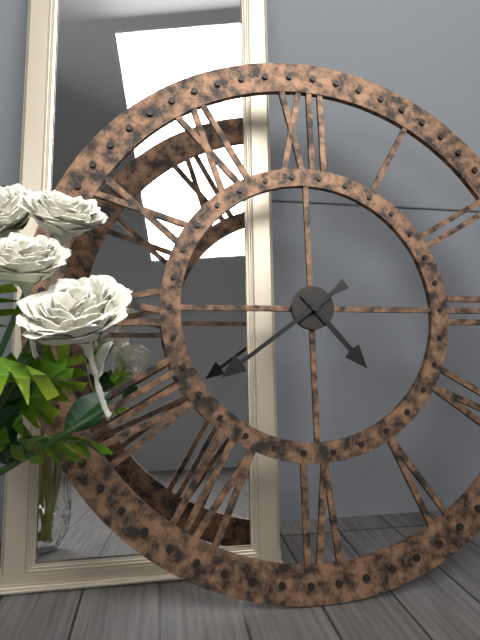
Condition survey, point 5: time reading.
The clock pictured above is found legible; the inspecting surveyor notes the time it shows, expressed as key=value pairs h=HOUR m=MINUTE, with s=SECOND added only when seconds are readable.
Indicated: h=4 m=39
